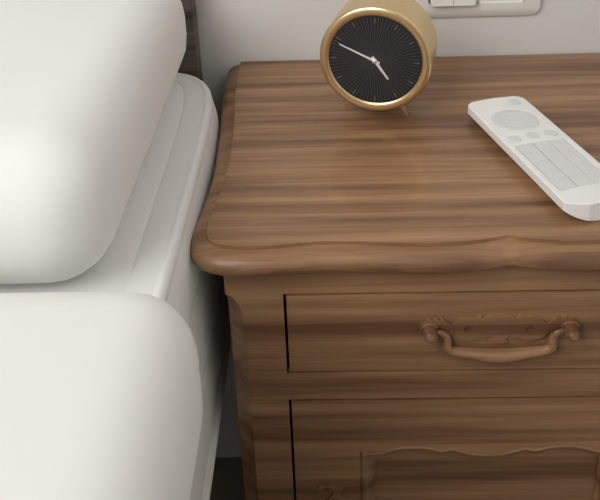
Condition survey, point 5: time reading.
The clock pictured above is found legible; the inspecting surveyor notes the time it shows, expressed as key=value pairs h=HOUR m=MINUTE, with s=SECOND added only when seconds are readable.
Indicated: h=4 m=49
